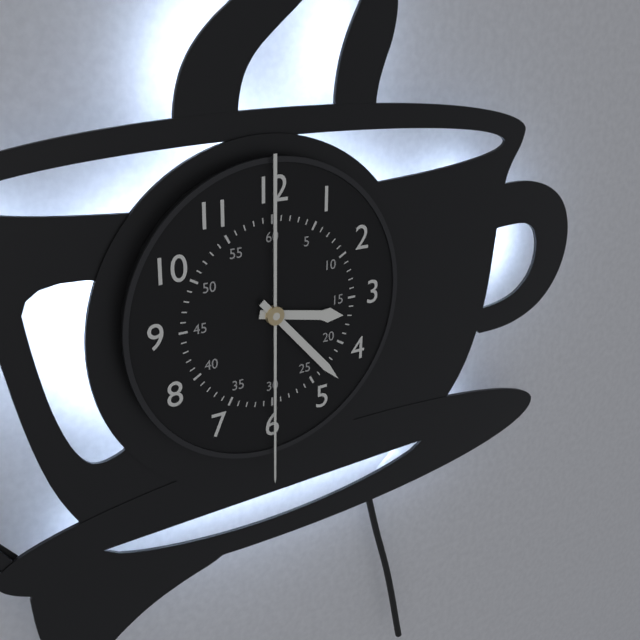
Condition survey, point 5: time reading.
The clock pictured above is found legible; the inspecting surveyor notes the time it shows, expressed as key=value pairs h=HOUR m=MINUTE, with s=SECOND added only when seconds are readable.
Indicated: h=3 m=23 s=30
